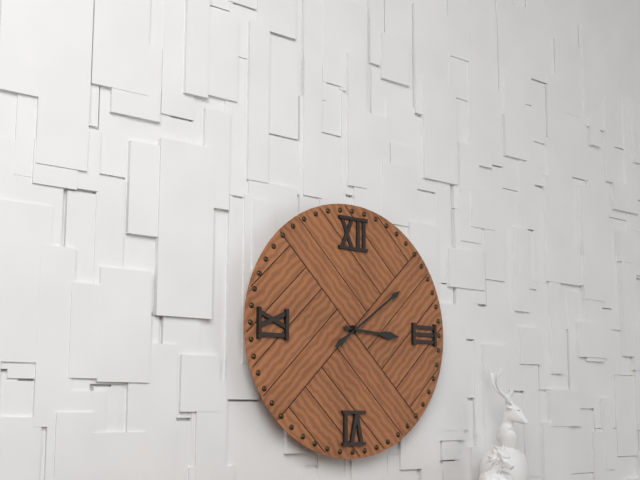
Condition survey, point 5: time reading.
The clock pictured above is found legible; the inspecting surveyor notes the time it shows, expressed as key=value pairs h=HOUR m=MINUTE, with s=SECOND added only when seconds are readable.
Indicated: h=3 m=9
